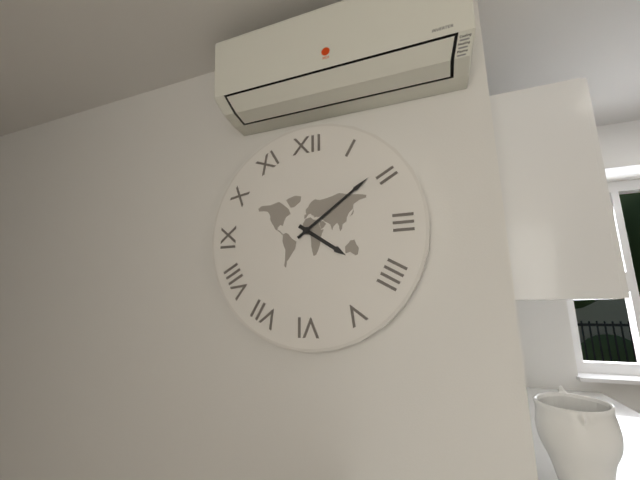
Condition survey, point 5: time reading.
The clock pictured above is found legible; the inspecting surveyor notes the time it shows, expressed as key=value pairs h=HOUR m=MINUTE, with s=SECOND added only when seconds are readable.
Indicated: h=4 m=9
